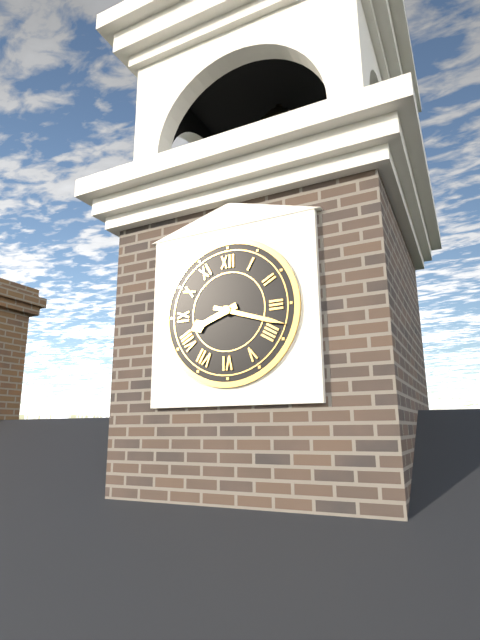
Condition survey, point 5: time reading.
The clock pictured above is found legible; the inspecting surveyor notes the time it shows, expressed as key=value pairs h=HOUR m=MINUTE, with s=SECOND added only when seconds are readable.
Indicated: h=8 m=18
